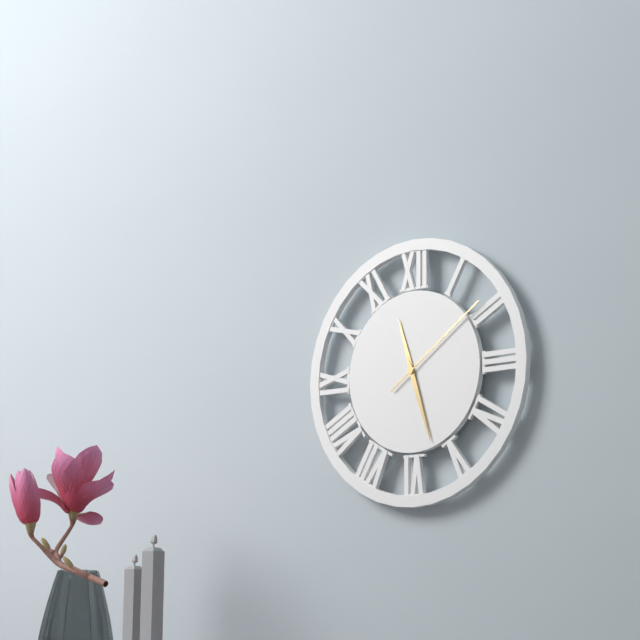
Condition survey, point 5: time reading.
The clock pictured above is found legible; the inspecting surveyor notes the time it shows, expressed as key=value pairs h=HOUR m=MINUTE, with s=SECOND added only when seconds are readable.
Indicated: h=11 m=27 s=9
